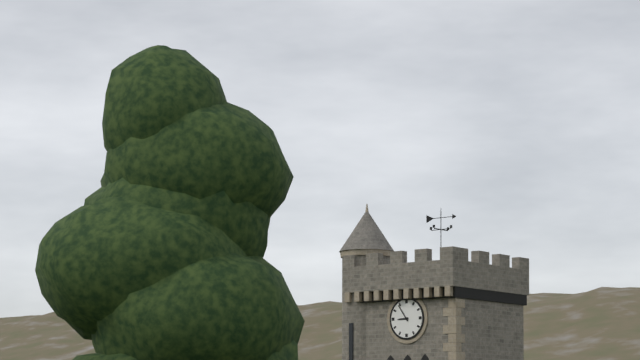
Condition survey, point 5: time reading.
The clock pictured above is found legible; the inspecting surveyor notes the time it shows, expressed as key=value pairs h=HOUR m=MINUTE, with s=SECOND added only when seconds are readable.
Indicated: h=8 m=54
